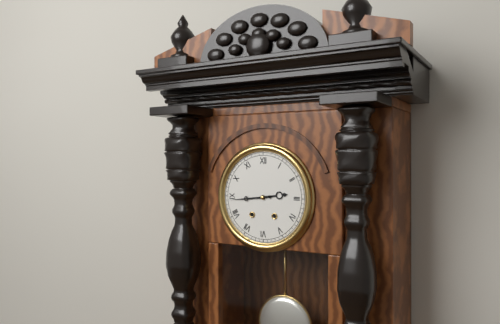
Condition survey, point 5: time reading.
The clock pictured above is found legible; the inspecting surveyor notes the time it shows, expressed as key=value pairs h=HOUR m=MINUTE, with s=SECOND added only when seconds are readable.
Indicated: h=2 m=44
